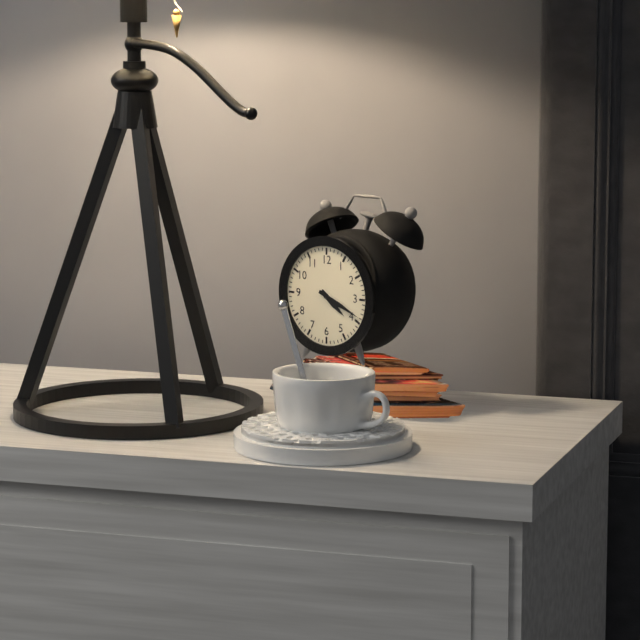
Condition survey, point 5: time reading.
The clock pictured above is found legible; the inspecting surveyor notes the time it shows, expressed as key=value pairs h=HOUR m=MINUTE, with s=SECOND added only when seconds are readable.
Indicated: h=4 m=19
